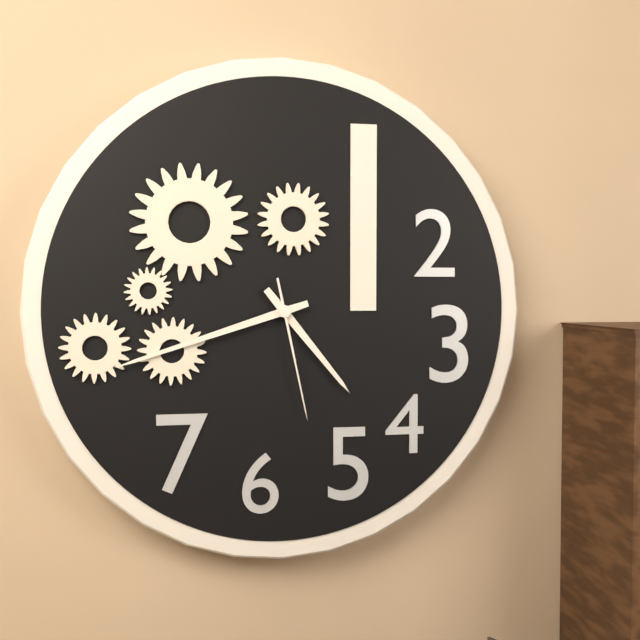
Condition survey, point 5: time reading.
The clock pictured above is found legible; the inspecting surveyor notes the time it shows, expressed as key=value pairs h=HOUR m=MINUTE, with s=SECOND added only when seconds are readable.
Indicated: h=4 m=42 s=28
